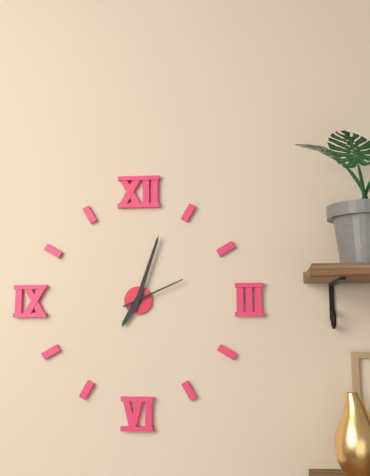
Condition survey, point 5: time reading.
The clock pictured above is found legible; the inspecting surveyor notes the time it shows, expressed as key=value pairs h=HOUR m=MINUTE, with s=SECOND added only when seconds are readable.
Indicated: h=7 m=3 s=11
